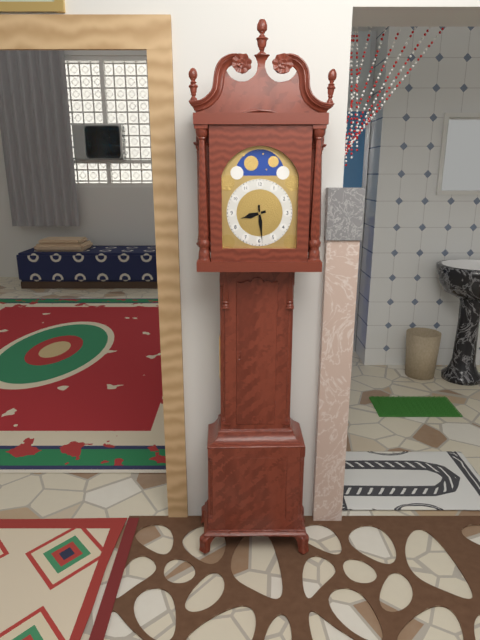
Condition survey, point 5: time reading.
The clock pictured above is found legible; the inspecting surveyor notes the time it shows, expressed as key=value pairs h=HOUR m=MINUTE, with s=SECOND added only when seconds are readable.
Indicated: h=8 m=29
